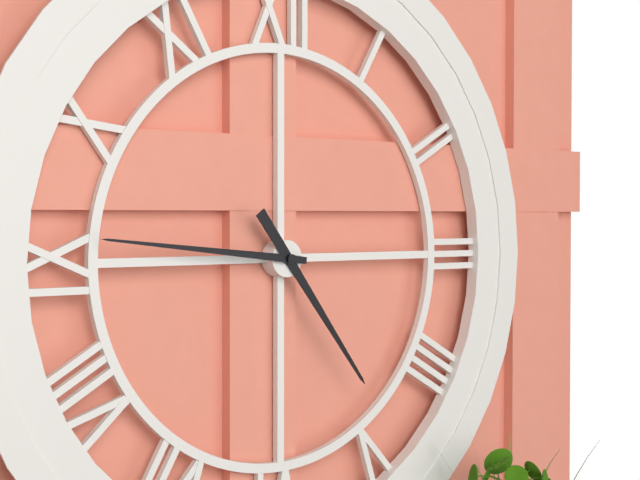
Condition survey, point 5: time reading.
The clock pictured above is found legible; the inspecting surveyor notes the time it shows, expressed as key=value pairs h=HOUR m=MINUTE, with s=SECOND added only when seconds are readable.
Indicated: h=4 m=46
